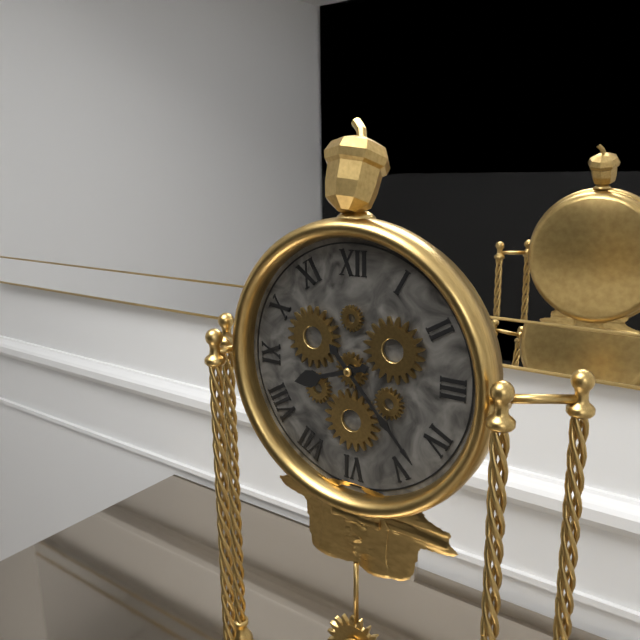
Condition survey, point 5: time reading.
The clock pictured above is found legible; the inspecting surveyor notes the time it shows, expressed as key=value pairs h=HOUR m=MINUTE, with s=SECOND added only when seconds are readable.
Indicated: h=8 m=23
